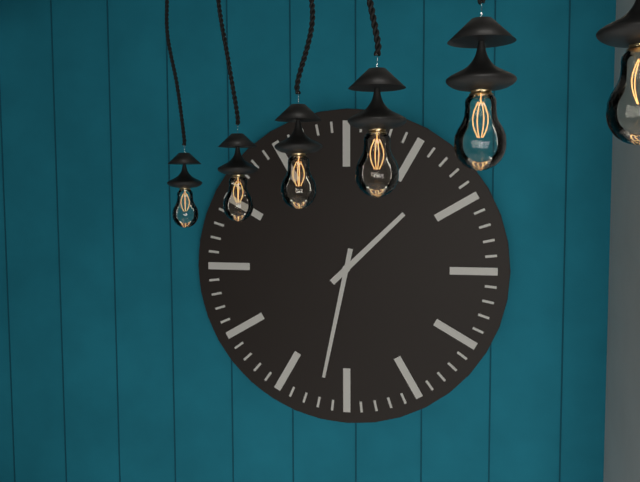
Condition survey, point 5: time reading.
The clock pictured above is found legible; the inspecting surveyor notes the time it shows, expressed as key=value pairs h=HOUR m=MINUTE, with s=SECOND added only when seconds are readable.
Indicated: h=1 m=32
